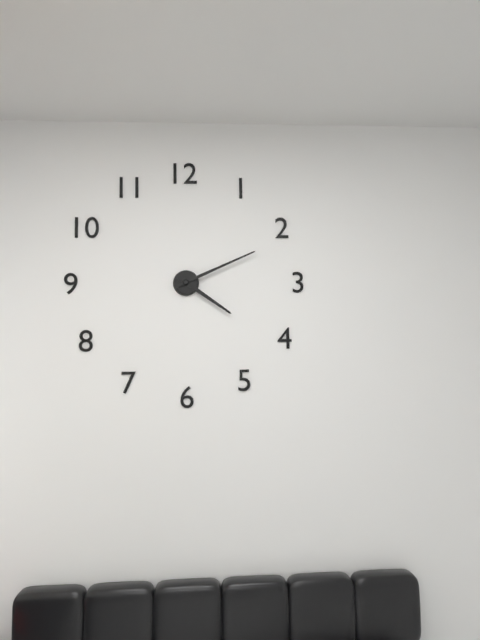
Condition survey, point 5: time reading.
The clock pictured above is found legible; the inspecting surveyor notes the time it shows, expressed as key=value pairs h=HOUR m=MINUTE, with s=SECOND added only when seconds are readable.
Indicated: h=4 m=11
